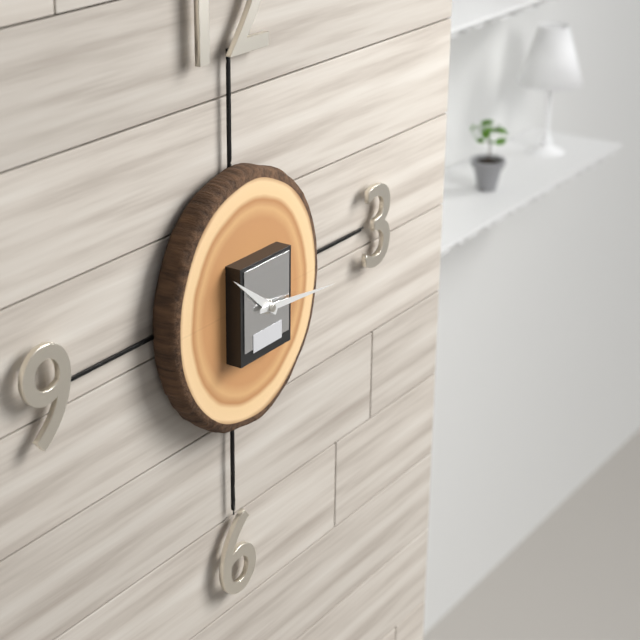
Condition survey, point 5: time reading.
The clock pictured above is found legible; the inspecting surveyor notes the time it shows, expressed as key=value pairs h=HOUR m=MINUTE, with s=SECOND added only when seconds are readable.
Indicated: h=10 m=16
